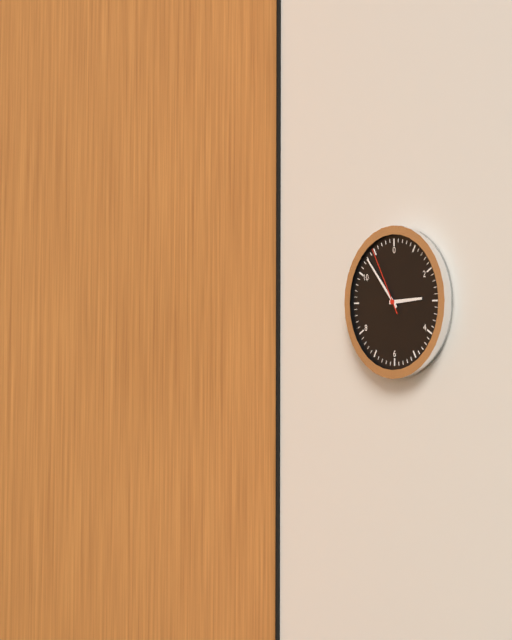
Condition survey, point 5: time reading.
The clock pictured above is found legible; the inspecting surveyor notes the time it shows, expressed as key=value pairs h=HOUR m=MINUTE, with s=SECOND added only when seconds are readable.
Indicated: h=2 m=53 s=55
